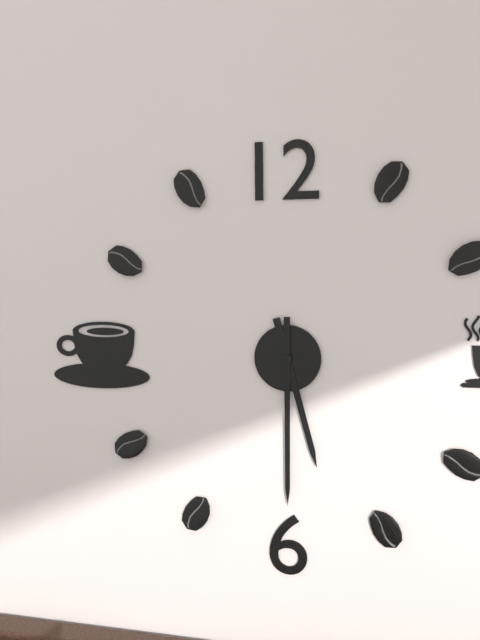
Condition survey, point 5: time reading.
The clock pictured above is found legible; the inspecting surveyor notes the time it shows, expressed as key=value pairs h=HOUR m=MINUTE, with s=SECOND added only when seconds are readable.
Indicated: h=5 m=30
